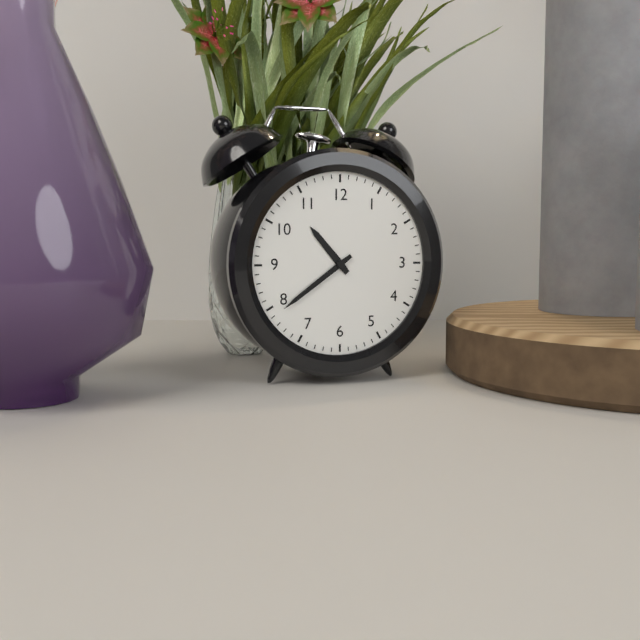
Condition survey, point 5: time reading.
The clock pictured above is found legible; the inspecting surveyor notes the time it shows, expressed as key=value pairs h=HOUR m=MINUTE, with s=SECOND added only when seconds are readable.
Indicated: h=10 m=39
